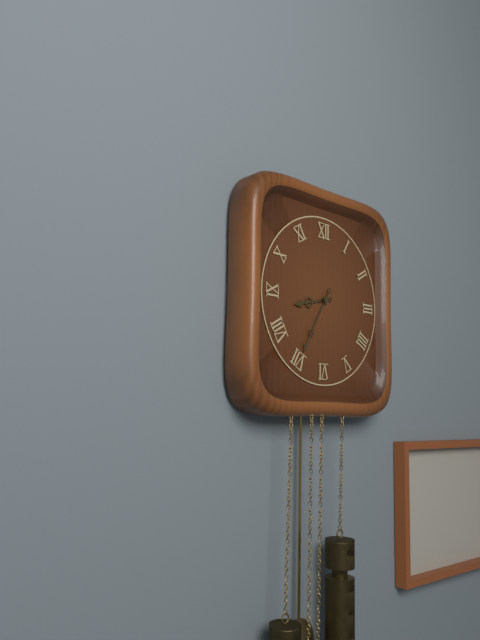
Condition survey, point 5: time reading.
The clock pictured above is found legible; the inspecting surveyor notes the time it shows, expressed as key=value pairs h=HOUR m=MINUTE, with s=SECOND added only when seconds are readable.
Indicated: h=8 m=35
